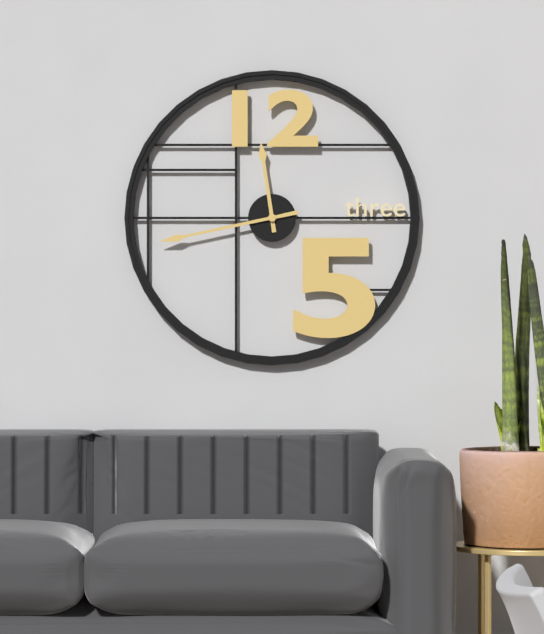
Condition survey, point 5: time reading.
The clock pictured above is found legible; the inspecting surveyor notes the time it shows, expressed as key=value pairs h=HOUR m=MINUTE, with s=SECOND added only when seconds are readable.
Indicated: h=11 m=43
